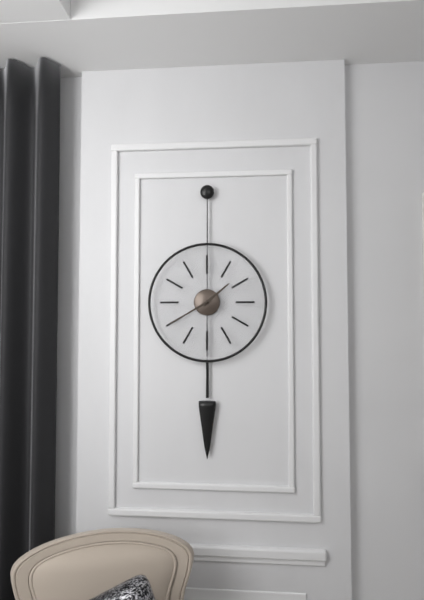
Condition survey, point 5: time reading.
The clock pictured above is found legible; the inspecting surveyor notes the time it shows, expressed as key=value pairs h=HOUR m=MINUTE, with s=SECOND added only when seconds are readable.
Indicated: h=1 m=40
